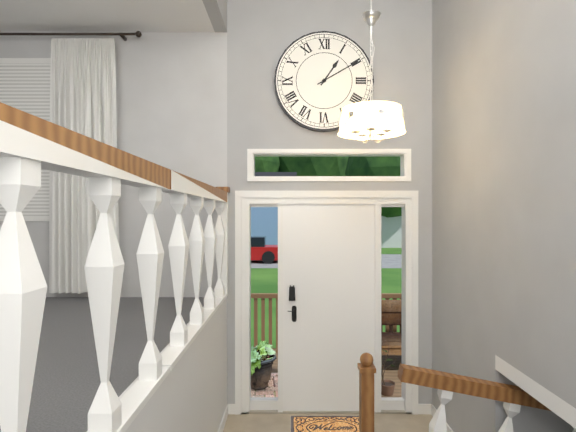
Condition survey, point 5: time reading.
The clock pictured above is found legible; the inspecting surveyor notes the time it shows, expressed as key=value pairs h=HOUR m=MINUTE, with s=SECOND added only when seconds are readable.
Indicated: h=1 m=10
